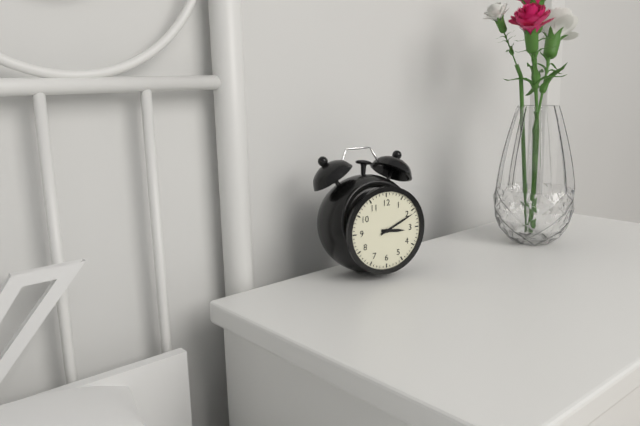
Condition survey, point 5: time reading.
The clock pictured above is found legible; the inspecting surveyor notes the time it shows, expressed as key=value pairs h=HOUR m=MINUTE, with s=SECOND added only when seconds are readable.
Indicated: h=3 m=11
